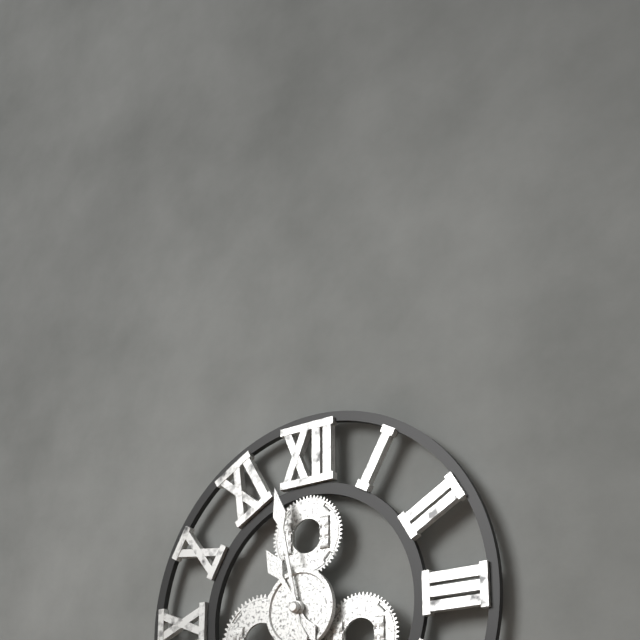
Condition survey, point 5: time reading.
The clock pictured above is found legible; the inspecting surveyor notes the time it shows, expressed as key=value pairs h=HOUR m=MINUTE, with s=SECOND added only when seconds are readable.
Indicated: h=10 m=58
